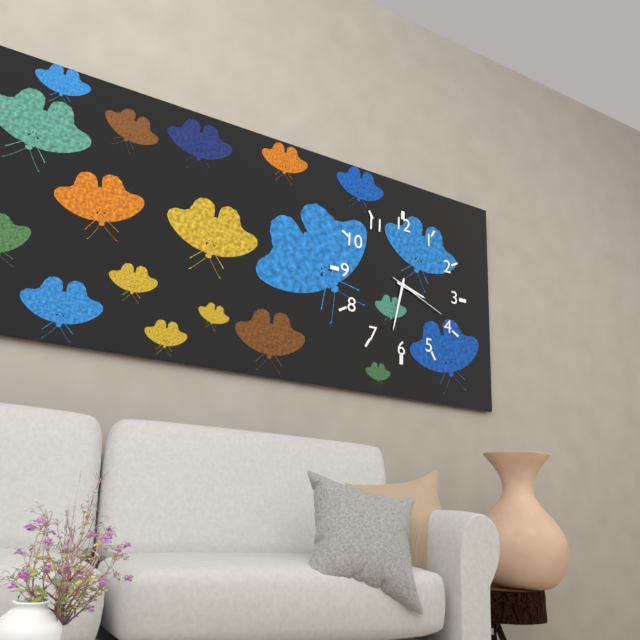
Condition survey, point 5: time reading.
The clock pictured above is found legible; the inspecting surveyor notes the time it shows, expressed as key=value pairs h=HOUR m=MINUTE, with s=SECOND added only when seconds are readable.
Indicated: h=3 m=32 s=19
